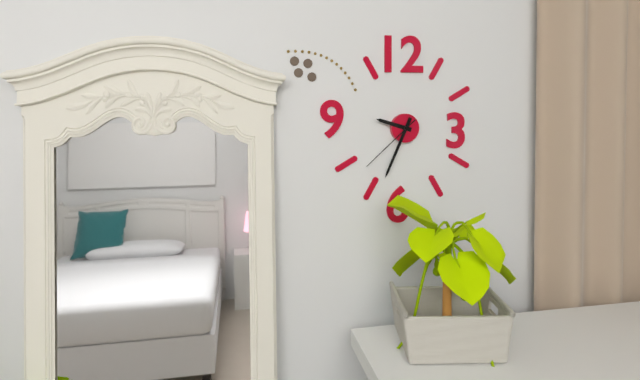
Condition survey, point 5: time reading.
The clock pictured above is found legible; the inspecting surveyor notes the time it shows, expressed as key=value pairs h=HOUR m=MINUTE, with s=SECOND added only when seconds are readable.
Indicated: h=9 m=34 s=38
